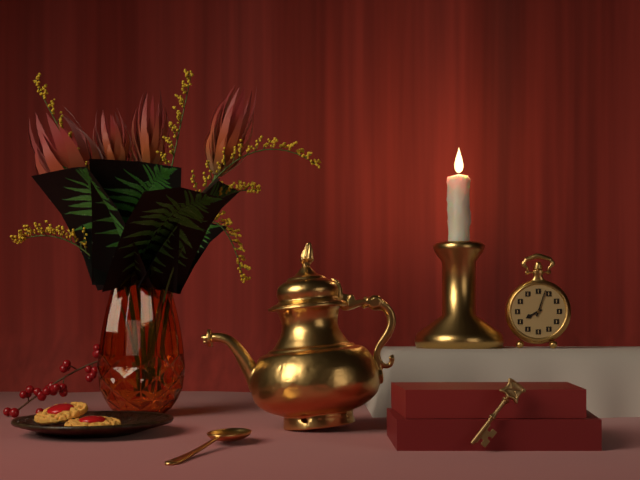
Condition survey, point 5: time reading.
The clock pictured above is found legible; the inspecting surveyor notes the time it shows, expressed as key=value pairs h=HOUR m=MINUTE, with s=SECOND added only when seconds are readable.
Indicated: h=8 m=3
